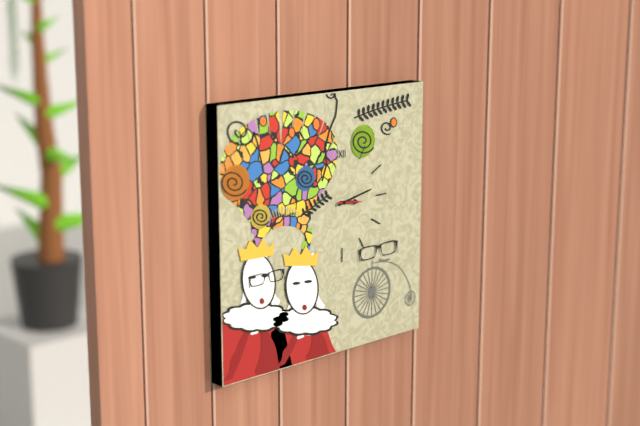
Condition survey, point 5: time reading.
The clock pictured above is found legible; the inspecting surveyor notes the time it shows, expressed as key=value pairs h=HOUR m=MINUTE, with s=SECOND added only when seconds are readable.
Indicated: h=3 m=13
